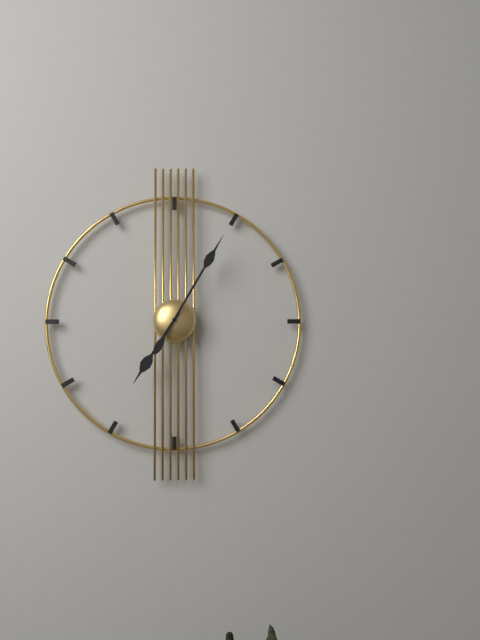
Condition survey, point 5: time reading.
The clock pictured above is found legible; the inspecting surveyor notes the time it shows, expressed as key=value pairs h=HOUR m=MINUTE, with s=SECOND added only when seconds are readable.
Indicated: h=7 m=5
